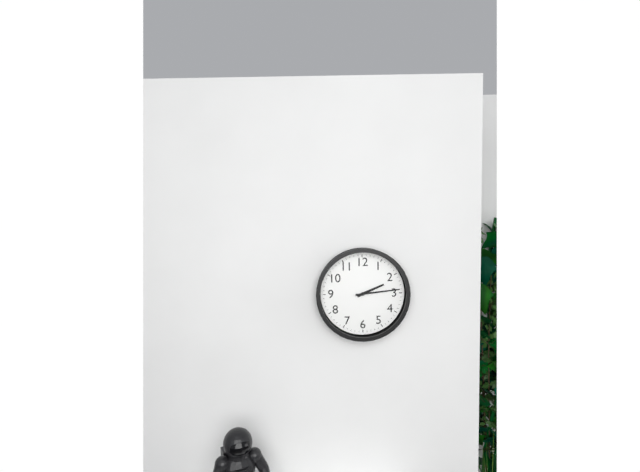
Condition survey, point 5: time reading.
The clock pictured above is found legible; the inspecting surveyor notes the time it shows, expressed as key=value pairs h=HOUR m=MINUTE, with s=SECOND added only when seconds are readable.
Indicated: h=2 m=14
